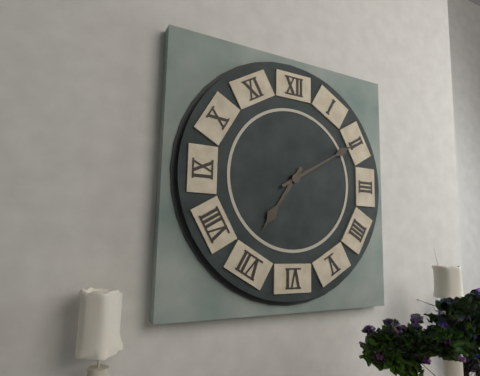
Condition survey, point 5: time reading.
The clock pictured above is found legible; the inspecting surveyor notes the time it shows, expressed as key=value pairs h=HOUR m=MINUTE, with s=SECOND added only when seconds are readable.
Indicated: h=7 m=10
